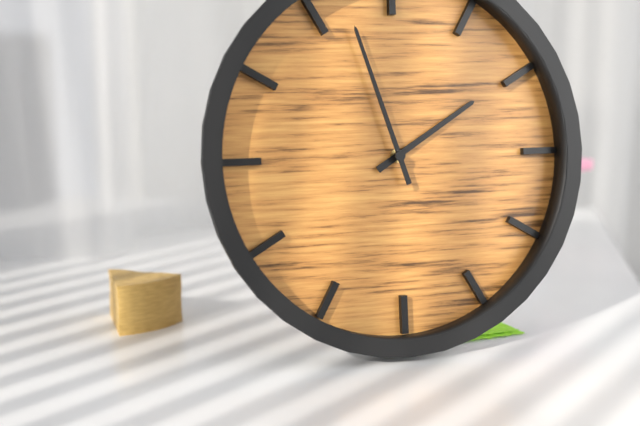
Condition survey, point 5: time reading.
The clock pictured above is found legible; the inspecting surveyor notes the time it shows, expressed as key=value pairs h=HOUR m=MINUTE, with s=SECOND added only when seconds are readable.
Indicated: h=1 m=57
